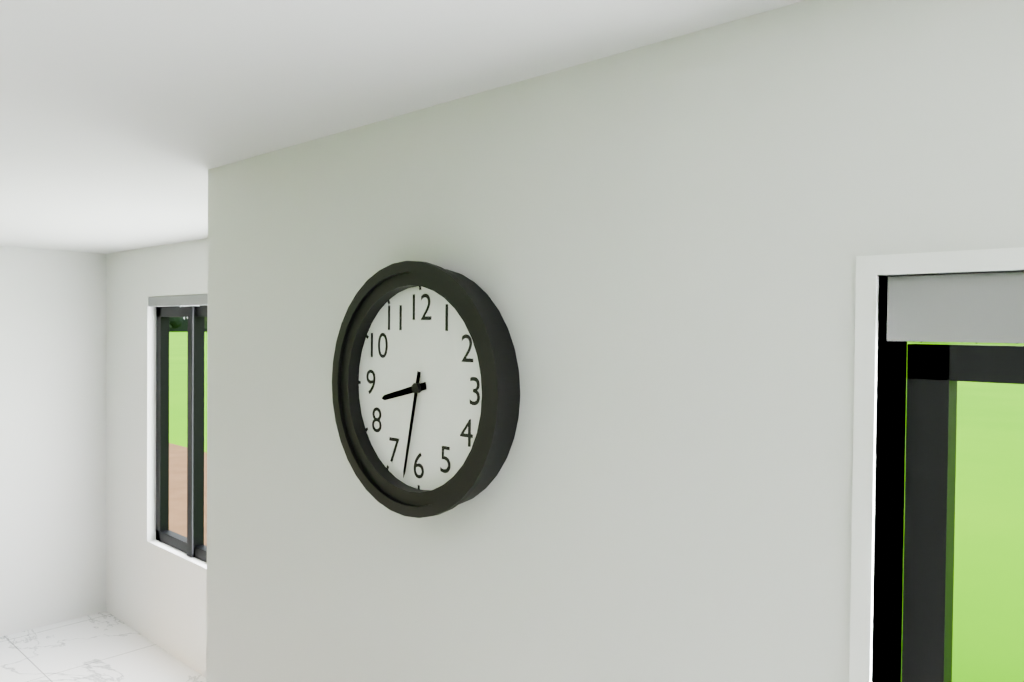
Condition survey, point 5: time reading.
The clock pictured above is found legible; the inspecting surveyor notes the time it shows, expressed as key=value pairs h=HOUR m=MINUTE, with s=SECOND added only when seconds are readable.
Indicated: h=8 m=32
